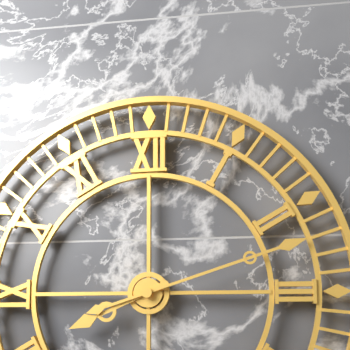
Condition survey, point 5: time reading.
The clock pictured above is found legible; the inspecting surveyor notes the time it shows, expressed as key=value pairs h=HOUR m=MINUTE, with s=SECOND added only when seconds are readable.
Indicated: h=8 m=12
